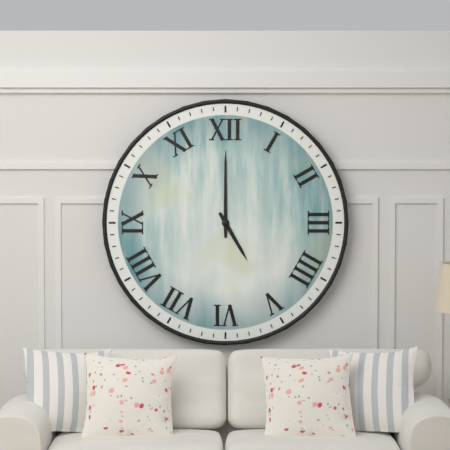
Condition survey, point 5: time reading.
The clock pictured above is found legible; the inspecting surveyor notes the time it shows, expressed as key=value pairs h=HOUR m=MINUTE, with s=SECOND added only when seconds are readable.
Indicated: h=5 m=0
